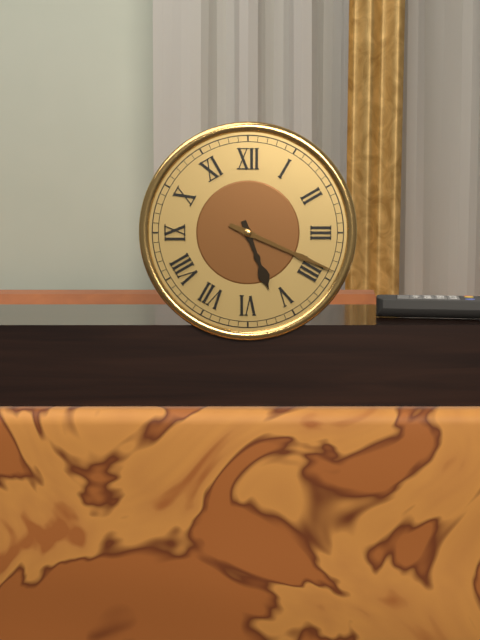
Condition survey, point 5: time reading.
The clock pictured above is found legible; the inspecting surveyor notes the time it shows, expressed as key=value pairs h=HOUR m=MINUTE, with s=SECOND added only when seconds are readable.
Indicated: h=5 m=19
